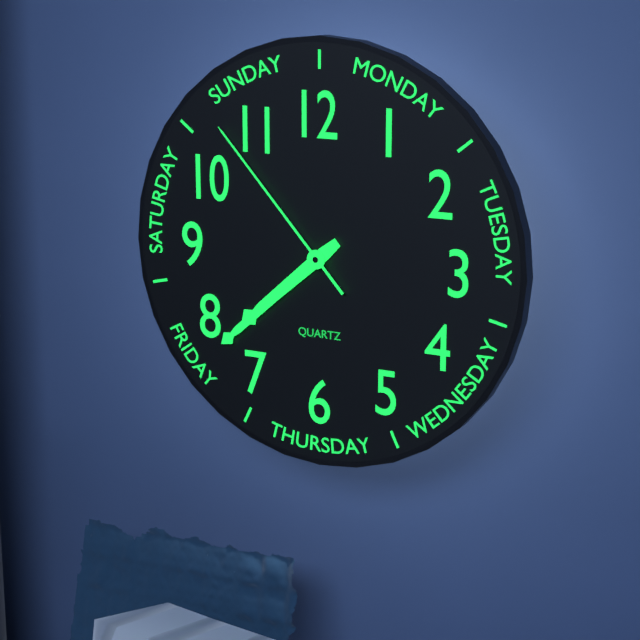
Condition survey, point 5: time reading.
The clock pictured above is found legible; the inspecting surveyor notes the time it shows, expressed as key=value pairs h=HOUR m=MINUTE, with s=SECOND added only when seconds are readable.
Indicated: h=7 m=38 s=53
